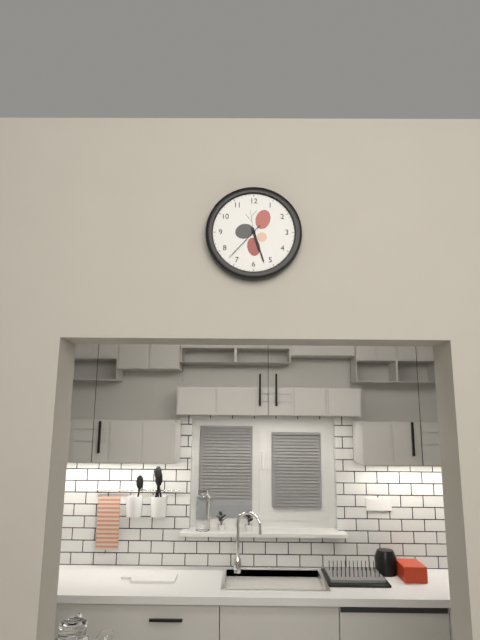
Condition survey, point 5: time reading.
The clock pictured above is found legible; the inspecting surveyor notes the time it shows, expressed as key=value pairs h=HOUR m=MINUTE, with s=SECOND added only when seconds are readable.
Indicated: h=5 m=27
